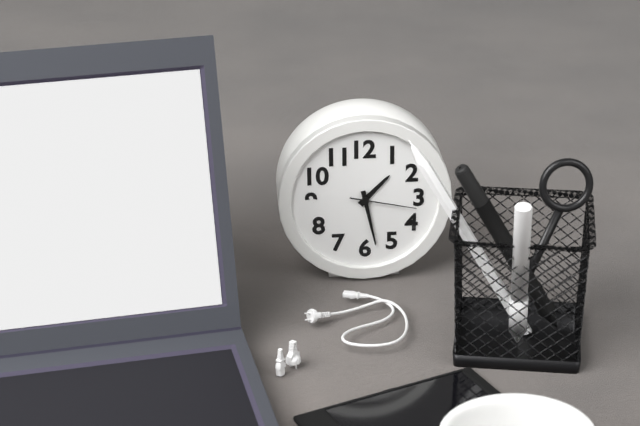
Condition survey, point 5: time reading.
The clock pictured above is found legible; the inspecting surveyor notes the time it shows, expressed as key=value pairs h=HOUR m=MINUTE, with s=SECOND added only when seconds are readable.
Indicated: h=1 m=28 s=17
